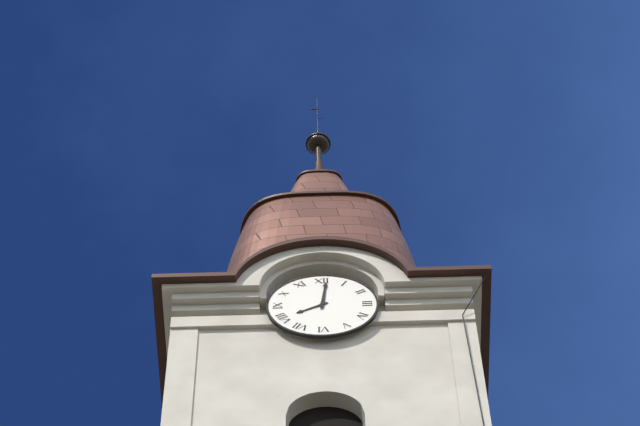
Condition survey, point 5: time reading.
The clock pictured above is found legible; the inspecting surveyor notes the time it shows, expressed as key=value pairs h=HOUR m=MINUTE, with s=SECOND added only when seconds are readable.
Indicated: h=8 m=1
